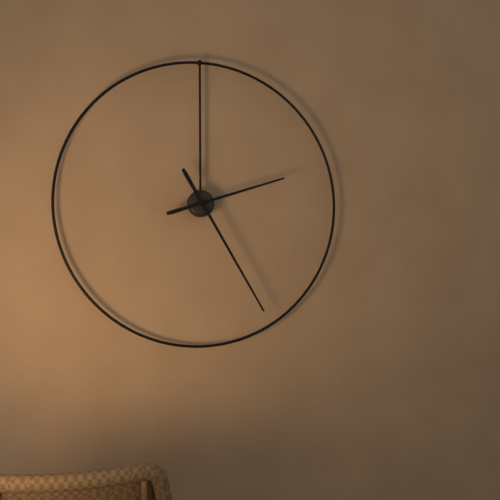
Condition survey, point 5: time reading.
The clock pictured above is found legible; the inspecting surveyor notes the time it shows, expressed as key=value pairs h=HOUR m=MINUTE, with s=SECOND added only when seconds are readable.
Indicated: h=2 m=25
